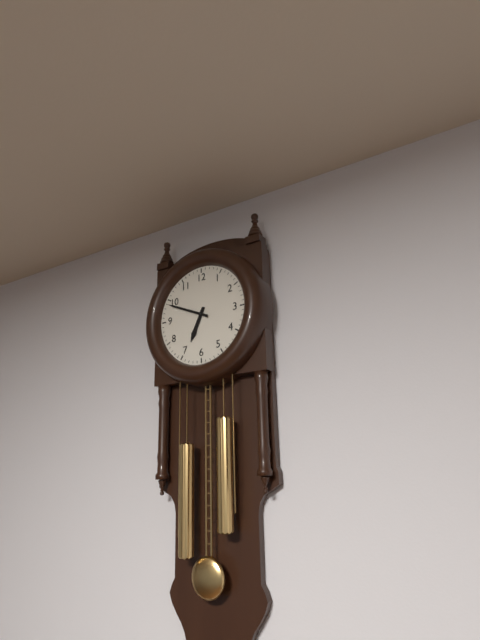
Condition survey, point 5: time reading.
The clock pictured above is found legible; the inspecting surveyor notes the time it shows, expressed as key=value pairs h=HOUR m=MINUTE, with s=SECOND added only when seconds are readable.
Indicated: h=6 m=49
